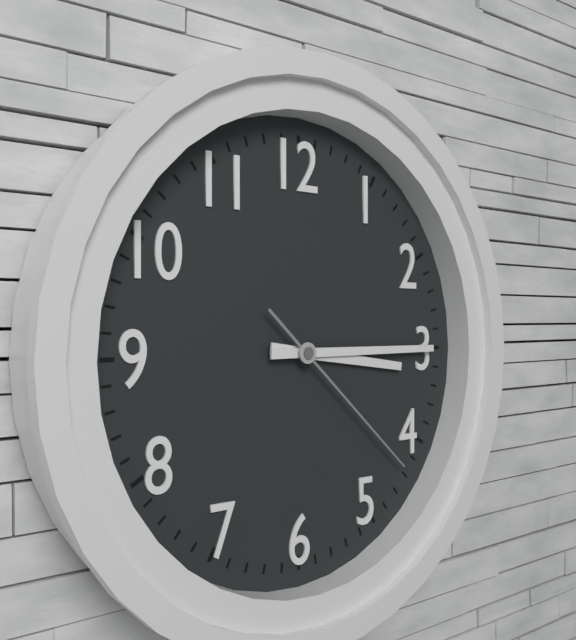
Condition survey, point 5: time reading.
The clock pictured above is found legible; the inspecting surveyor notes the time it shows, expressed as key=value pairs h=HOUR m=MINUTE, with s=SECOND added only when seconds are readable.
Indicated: h=3 m=15 s=22
